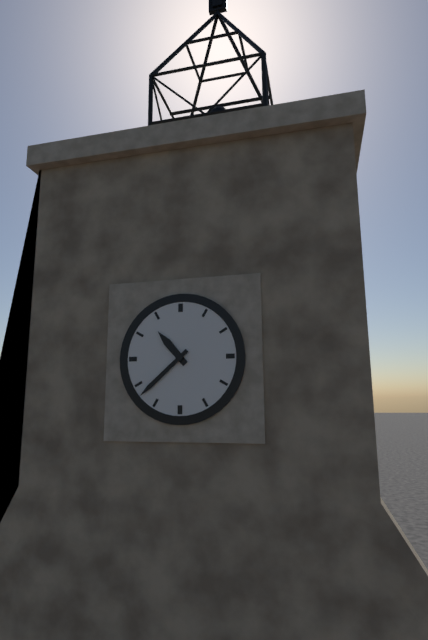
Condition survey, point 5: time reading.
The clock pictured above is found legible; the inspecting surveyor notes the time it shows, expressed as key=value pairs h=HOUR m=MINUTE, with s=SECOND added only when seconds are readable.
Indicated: h=10 m=38
